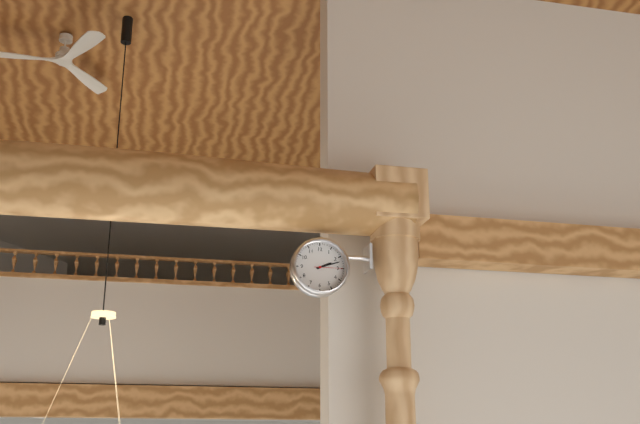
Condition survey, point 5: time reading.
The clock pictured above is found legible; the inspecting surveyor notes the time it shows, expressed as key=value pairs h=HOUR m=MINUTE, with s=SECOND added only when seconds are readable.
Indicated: h=2 m=12
